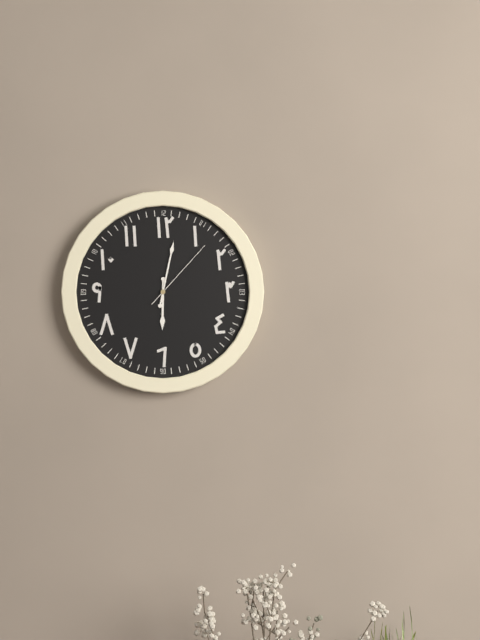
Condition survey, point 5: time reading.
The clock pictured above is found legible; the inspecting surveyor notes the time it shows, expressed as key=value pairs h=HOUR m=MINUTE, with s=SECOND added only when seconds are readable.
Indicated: h=6 m=2 s=7
